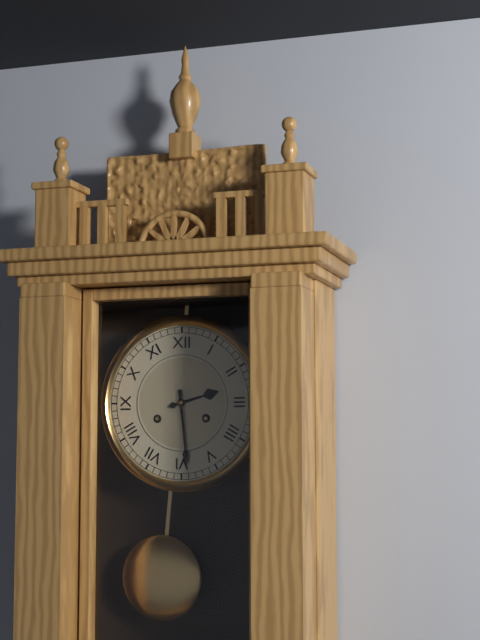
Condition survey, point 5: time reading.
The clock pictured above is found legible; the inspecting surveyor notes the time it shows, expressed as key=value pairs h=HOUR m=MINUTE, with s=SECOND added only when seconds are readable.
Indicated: h=2 m=29
